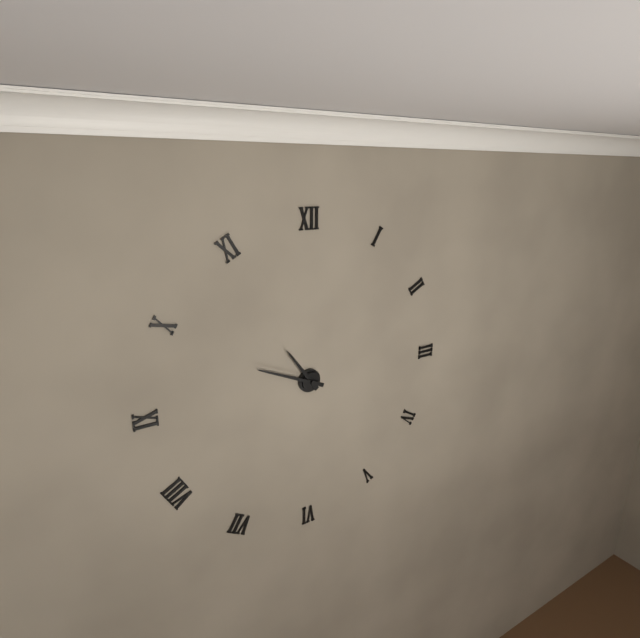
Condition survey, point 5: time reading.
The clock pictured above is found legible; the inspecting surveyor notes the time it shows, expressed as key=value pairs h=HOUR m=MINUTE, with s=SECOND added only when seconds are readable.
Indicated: h=10 m=49
